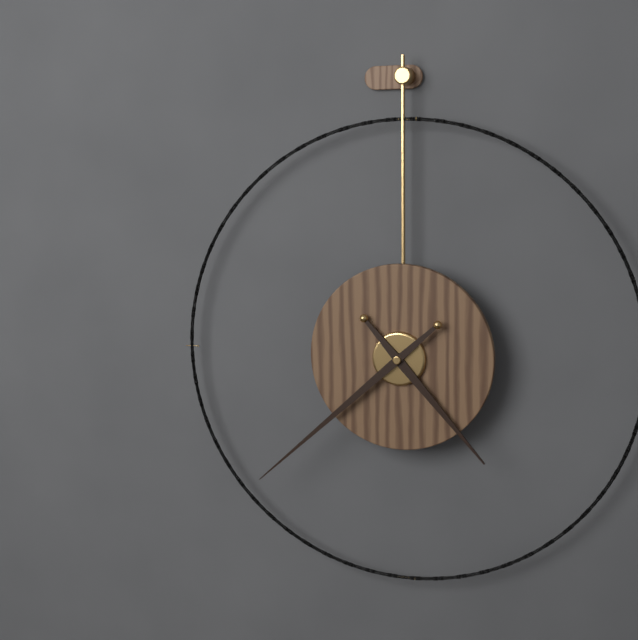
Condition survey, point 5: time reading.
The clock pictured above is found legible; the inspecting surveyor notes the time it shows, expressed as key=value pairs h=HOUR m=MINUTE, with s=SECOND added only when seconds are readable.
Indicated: h=4 m=38
